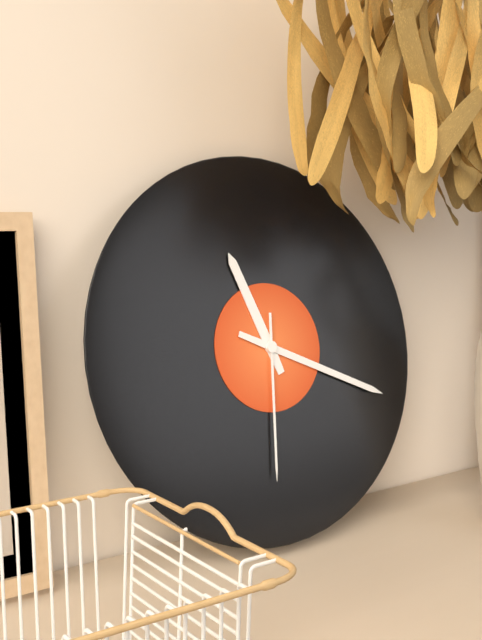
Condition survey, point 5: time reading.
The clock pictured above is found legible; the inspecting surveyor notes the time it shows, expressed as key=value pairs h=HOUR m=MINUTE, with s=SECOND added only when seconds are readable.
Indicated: h=11 m=19 s=31
